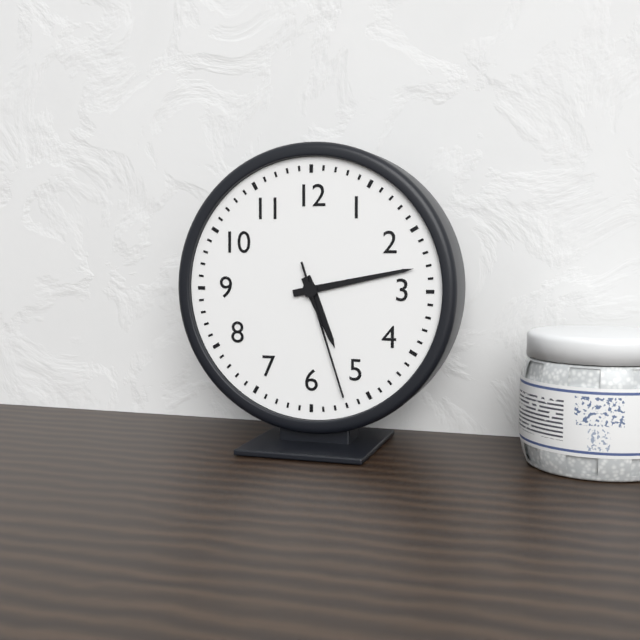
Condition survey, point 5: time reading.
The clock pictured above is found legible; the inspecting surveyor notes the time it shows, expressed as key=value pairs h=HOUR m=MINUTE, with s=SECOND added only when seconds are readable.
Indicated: h=5 m=13 s=27
